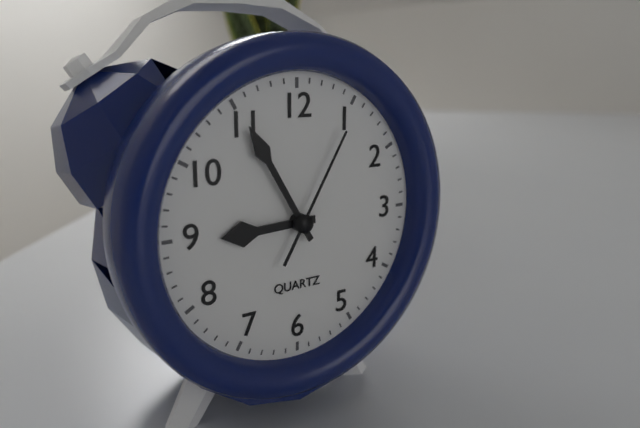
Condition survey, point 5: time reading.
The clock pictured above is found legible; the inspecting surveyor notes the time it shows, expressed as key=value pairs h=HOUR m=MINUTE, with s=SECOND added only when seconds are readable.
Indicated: h=8 m=55 s=5
